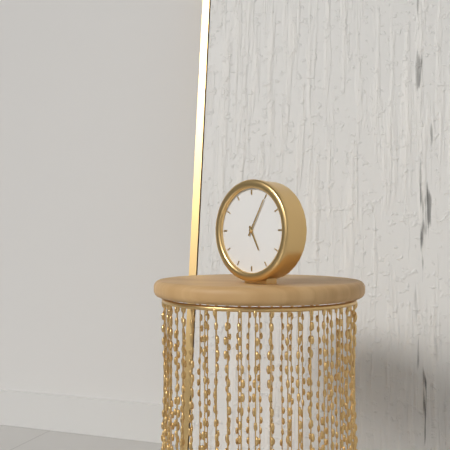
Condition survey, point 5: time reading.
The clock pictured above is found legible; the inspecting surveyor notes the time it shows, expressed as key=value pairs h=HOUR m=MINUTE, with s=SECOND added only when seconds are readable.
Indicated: h=5 m=5
